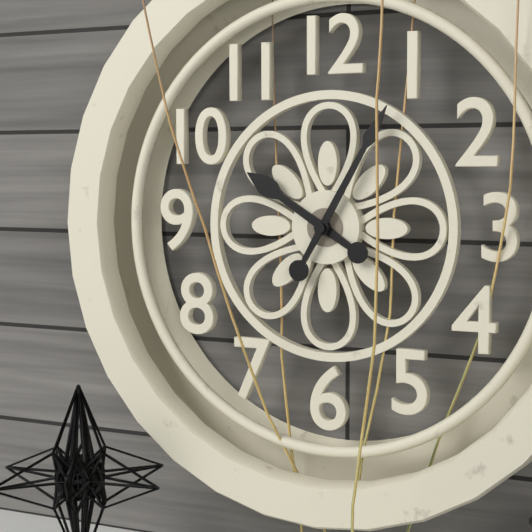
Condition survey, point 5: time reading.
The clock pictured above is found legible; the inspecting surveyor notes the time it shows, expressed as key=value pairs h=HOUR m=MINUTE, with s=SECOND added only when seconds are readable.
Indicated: h=10 m=5
